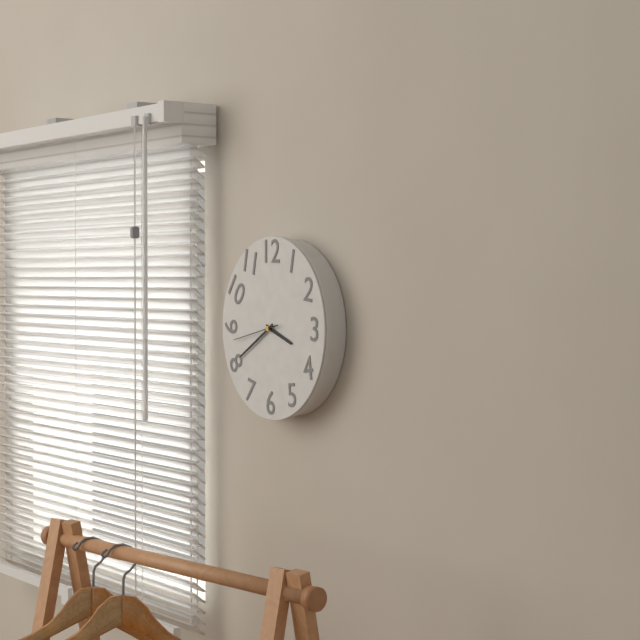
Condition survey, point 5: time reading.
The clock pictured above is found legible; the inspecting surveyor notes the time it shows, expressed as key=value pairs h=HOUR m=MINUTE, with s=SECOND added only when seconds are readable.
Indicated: h=3 m=40
